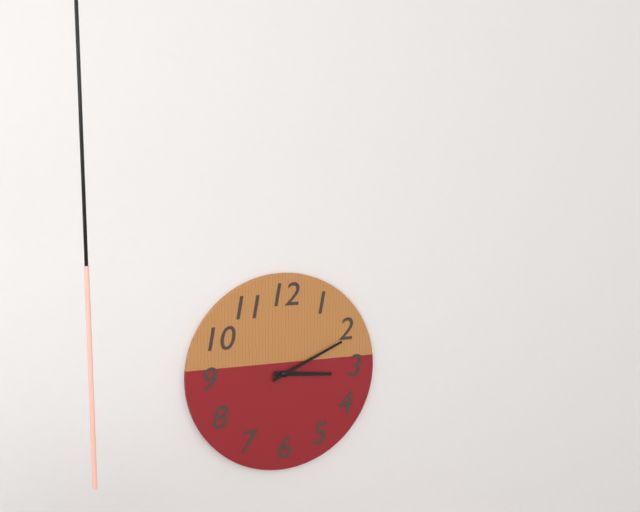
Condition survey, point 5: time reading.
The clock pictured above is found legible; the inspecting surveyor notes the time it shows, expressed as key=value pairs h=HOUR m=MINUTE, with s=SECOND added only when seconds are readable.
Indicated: h=3 m=11
